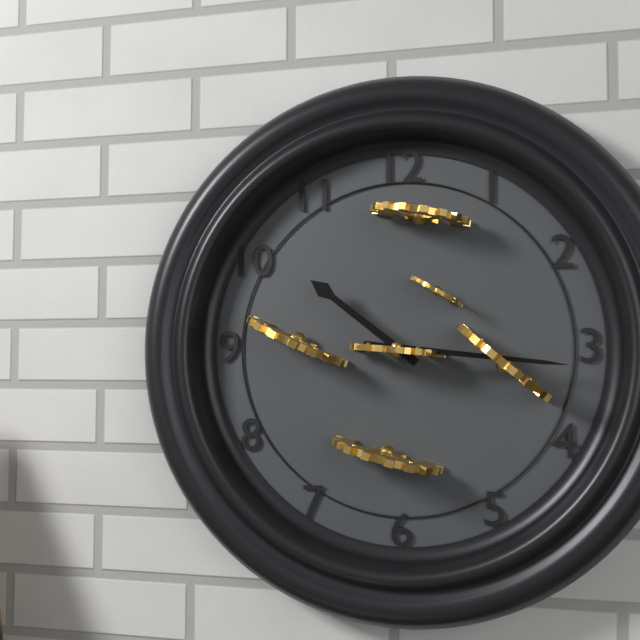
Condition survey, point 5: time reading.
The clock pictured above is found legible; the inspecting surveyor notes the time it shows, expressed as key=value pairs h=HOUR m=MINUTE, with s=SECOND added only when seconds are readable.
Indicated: h=10 m=16
